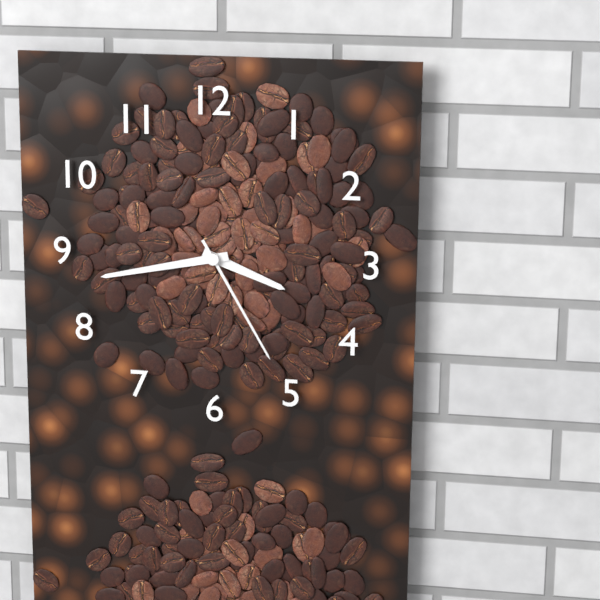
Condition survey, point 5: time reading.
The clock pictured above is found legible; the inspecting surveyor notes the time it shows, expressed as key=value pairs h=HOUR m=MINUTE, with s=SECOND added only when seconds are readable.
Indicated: h=3 m=43 s=25
